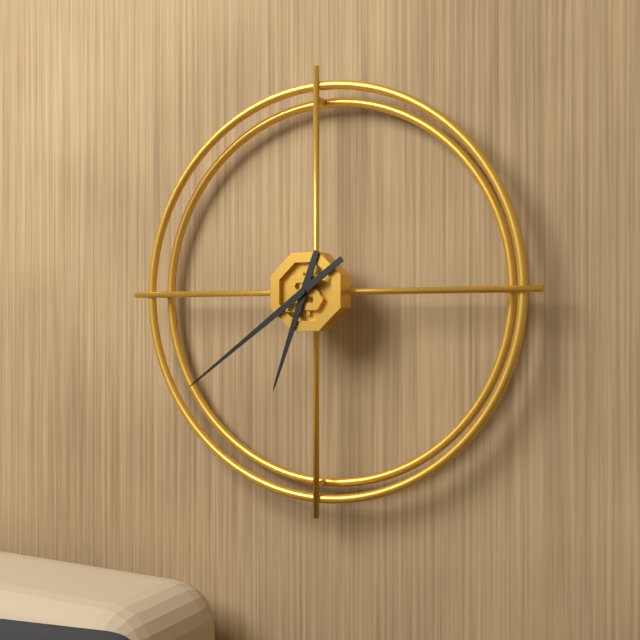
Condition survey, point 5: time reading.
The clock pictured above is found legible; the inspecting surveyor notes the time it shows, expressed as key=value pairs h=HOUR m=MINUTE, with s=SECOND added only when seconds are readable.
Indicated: h=6 m=39
